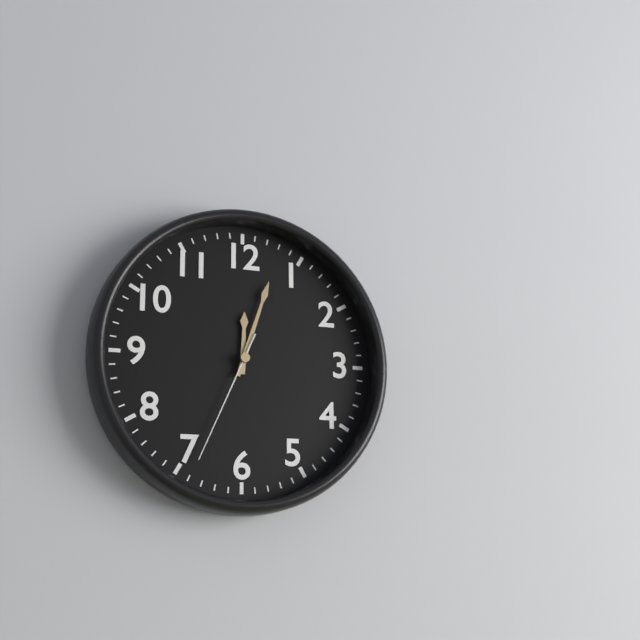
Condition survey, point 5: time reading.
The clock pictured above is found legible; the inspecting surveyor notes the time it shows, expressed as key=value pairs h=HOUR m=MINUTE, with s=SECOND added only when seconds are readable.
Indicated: h=12 m=3 s=34
